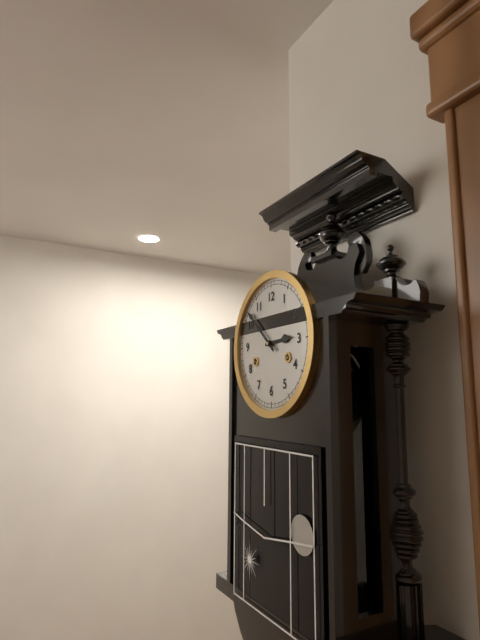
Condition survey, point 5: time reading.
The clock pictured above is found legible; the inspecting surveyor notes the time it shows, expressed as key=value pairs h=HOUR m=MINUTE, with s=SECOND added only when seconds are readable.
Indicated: h=2 m=52
